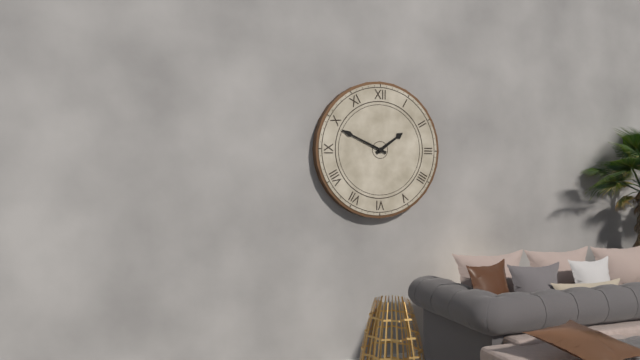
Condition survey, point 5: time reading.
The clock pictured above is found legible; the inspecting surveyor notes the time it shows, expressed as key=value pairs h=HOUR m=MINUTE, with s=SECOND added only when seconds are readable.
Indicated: h=1 m=49
